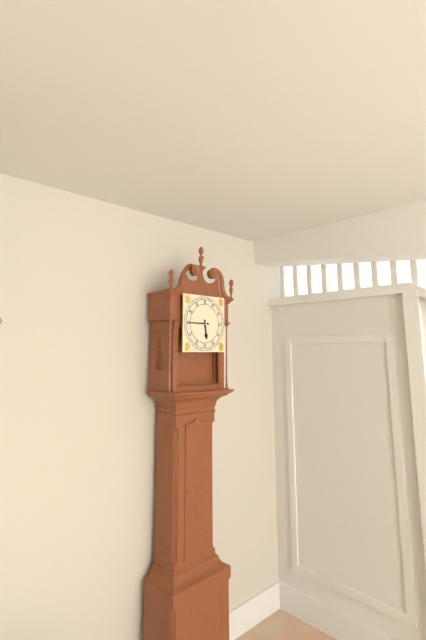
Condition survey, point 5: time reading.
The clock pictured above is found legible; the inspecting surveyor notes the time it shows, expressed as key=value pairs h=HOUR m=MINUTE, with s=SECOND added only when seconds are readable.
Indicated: h=5 m=45
